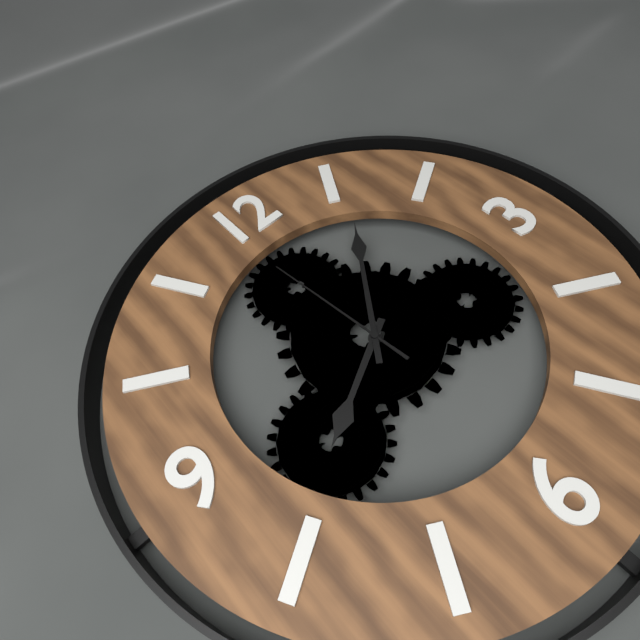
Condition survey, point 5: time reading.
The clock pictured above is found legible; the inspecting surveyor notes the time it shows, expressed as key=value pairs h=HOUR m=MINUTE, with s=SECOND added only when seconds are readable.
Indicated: h=8 m=6 s=59
